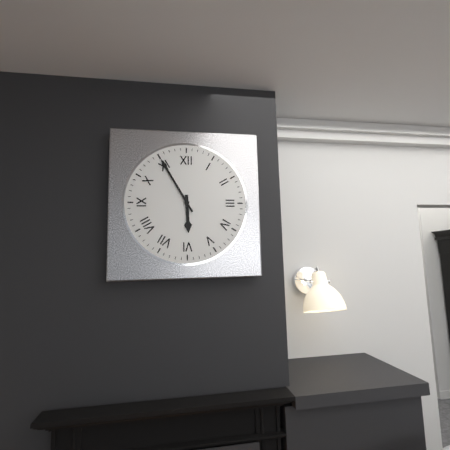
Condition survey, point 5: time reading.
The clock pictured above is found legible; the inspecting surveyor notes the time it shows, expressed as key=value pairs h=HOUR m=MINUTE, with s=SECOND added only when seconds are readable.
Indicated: h=5 m=55
